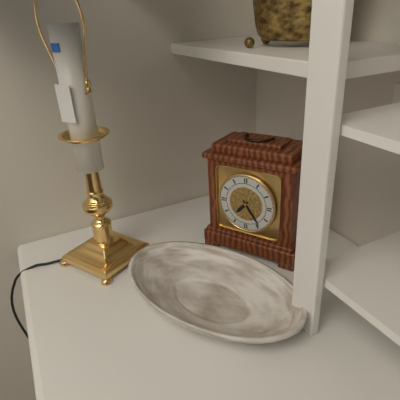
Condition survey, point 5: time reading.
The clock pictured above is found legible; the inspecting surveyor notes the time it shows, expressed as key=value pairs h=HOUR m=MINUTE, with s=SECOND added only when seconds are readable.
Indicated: h=7 m=24
